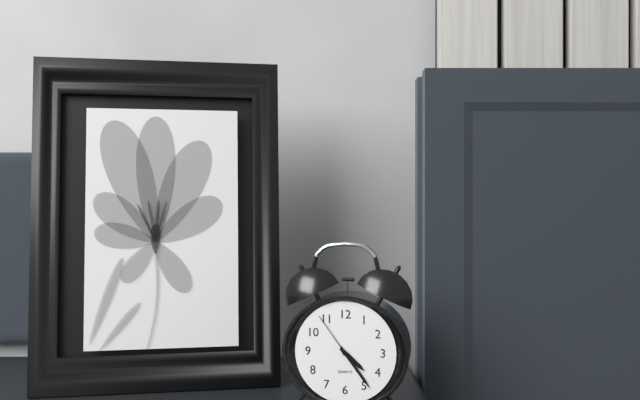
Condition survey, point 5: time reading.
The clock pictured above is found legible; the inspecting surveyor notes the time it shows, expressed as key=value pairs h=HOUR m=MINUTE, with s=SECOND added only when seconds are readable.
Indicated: h=4 m=24 s=54
